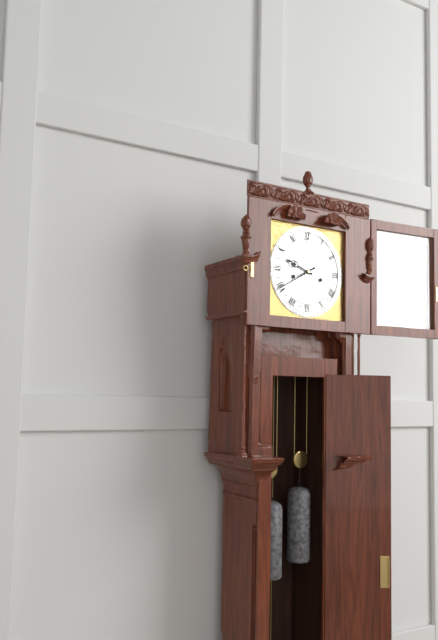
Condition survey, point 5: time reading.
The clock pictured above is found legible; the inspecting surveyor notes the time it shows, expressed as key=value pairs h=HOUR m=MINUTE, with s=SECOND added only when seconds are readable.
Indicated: h=9 m=40
